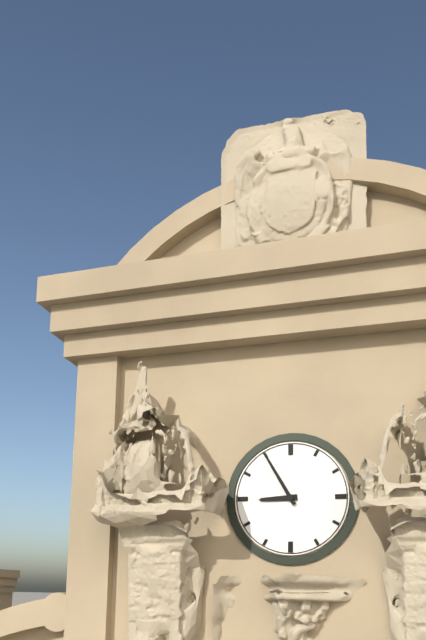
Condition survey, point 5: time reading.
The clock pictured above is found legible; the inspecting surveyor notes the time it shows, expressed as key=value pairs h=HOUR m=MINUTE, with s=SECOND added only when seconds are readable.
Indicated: h=8 m=55
